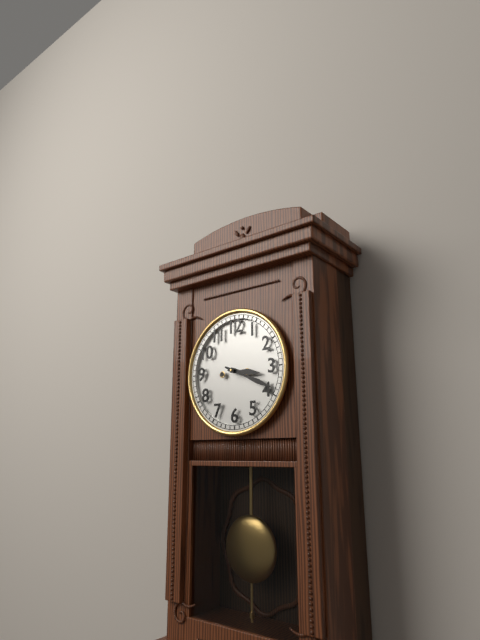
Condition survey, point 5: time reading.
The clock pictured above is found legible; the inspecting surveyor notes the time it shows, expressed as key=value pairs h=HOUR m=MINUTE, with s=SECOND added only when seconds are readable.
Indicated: h=3 m=19
